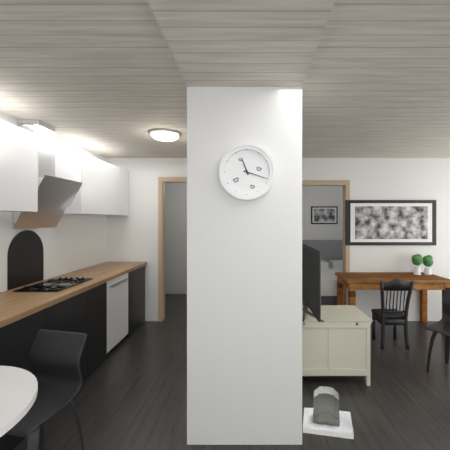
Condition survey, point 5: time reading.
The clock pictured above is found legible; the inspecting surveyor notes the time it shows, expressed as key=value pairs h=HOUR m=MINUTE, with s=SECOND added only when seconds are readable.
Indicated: h=11 m=18
